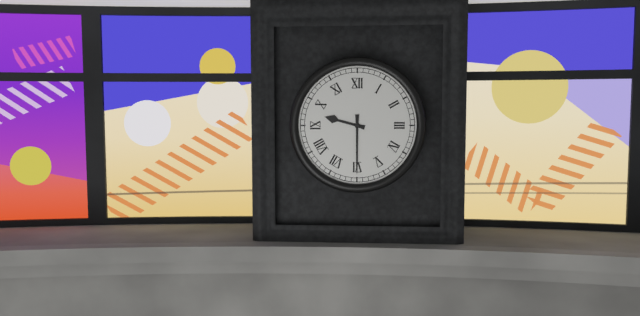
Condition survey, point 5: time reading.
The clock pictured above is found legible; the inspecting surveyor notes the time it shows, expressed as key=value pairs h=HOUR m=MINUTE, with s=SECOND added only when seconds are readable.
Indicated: h=9 m=30
